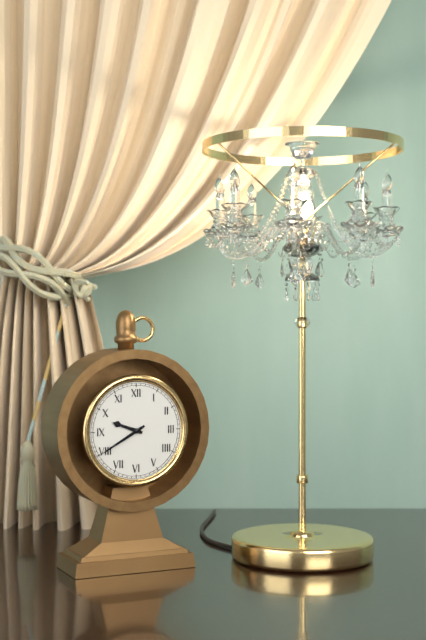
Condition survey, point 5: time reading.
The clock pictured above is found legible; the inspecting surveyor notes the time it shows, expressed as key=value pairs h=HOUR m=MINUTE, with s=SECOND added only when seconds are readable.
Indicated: h=9 m=40
